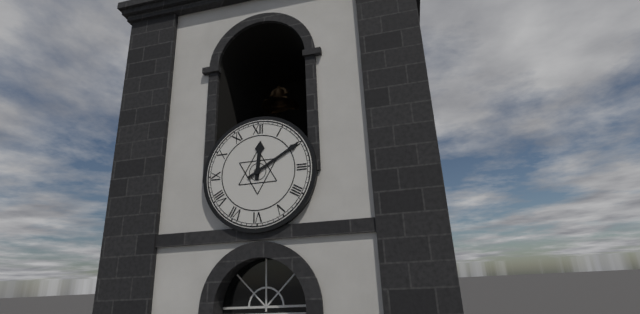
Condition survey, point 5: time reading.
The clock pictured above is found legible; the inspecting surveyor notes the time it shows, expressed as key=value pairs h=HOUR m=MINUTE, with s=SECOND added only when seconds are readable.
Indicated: h=12 m=10
